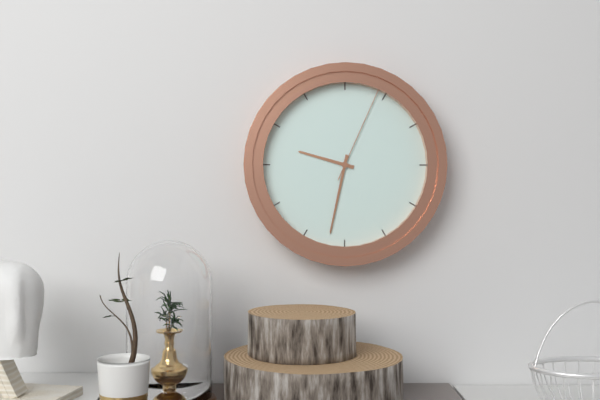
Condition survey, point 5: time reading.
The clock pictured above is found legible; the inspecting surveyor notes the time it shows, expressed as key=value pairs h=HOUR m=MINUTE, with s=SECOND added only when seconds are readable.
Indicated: h=9 m=32 s=4
